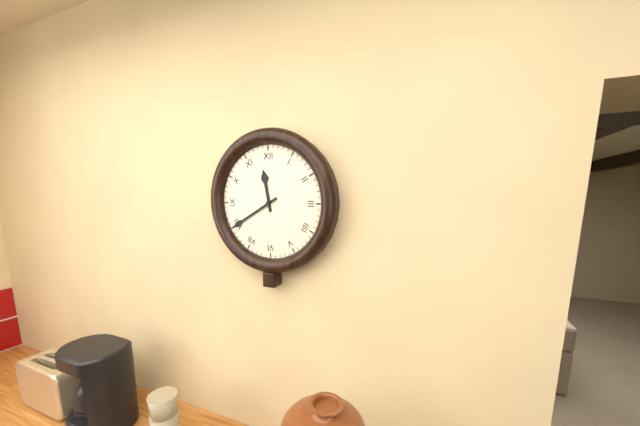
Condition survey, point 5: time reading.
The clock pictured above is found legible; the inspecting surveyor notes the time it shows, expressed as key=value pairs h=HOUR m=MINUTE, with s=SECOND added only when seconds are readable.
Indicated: h=11 m=40
